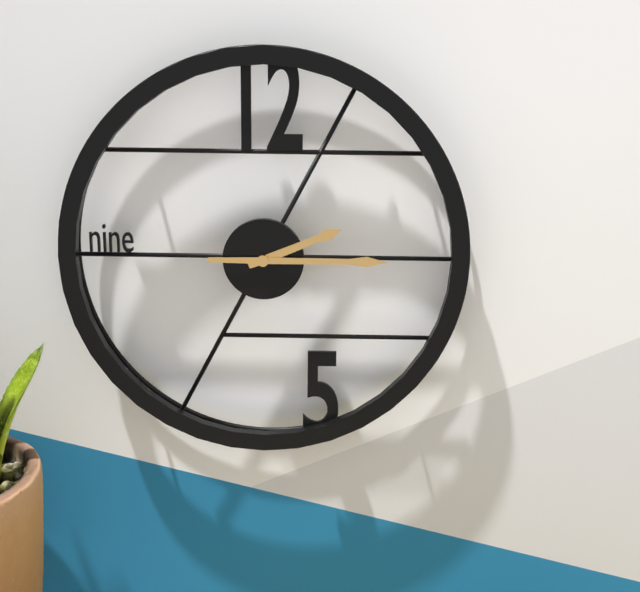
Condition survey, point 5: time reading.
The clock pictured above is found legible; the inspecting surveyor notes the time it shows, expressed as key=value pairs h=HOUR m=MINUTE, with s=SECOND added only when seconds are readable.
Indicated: h=2 m=15
